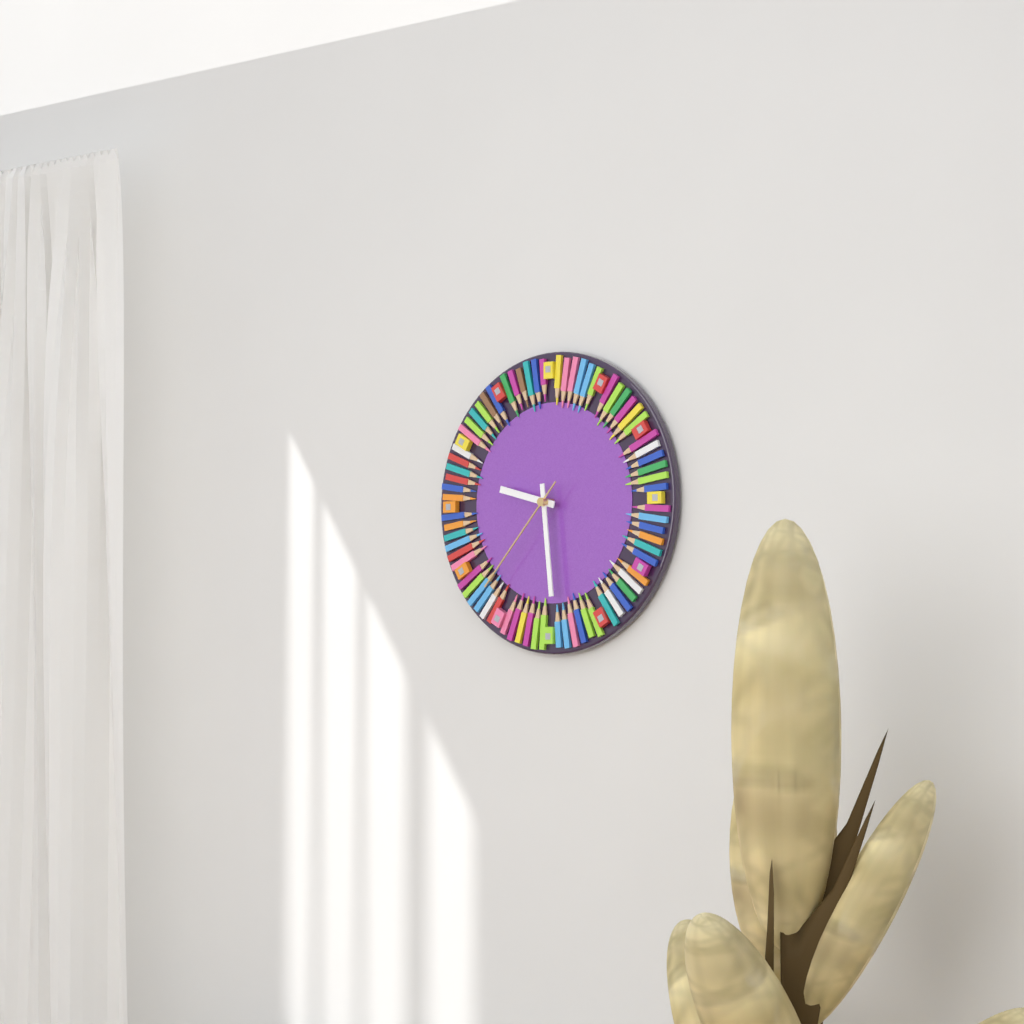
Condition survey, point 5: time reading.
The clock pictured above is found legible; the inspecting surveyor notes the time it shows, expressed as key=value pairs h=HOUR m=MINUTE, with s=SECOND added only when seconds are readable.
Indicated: h=9 m=29 s=37
